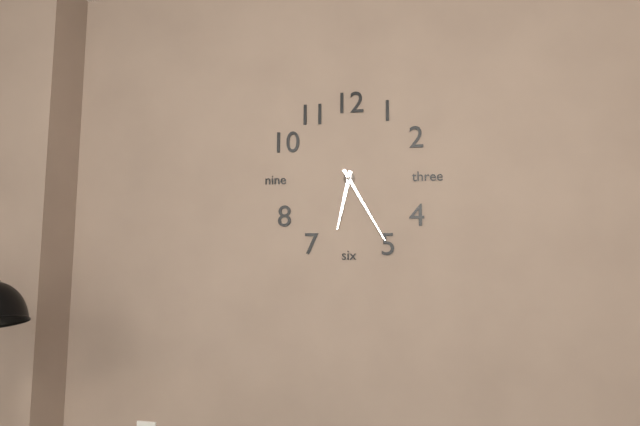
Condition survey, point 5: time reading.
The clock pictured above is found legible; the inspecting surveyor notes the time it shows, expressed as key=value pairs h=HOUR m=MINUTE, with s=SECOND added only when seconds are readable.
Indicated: h=6 m=25
